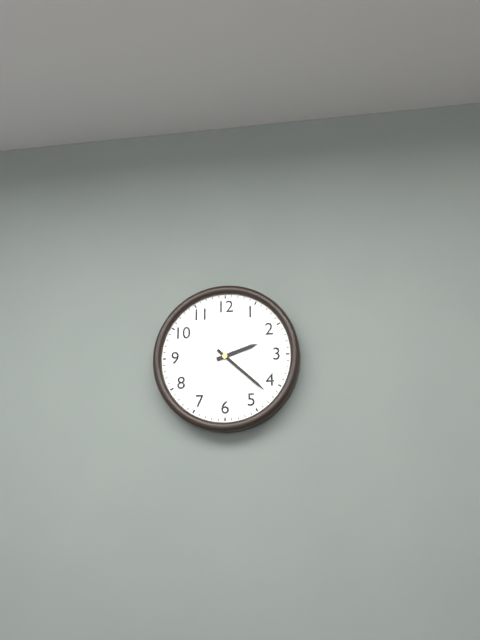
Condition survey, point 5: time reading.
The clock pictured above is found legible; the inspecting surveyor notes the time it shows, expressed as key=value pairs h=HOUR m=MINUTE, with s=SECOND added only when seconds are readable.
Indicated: h=2 m=22
